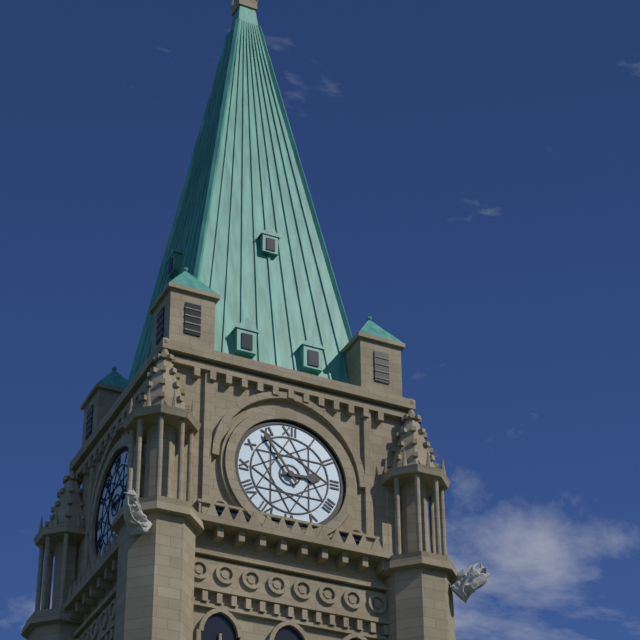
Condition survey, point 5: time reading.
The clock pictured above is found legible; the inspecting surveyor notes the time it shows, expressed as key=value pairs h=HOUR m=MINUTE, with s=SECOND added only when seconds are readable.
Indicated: h=2 m=54
